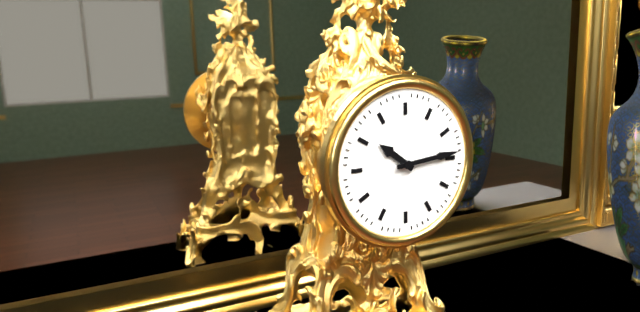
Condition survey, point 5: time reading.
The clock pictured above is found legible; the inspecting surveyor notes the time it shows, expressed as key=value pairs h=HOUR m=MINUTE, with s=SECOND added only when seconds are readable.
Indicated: h=10 m=14
